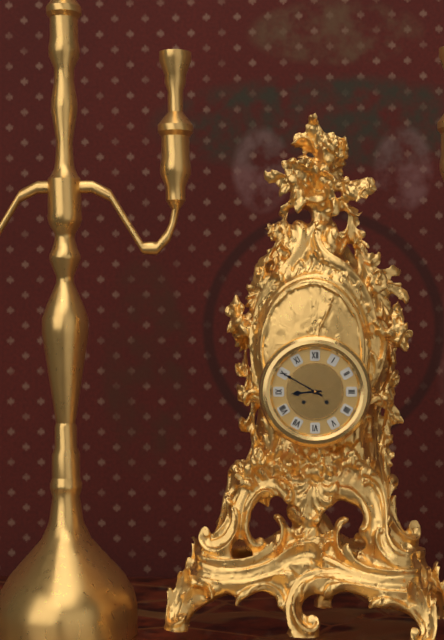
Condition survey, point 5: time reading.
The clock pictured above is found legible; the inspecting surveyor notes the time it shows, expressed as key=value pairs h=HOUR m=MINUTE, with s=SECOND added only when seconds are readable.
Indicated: h=8 m=50
